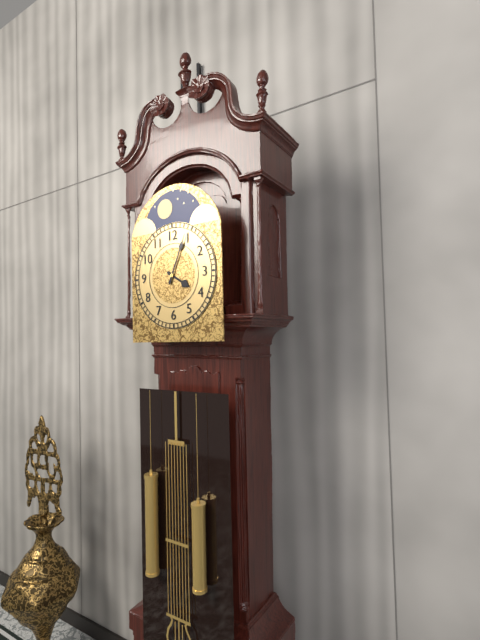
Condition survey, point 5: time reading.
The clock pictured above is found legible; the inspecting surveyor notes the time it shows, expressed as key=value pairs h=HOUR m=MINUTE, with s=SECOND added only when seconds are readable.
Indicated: h=4 m=4
